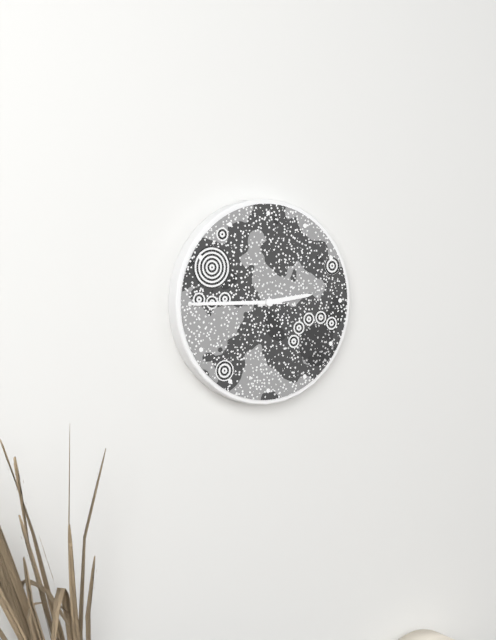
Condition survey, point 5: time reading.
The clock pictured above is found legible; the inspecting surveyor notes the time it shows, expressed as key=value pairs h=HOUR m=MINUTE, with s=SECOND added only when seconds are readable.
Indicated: h=2 m=45
